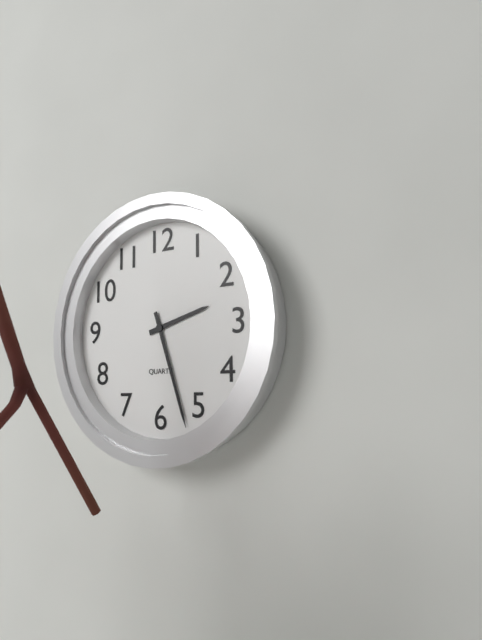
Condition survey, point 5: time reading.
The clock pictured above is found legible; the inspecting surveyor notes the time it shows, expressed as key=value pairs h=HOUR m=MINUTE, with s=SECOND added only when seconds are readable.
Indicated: h=2 m=27
